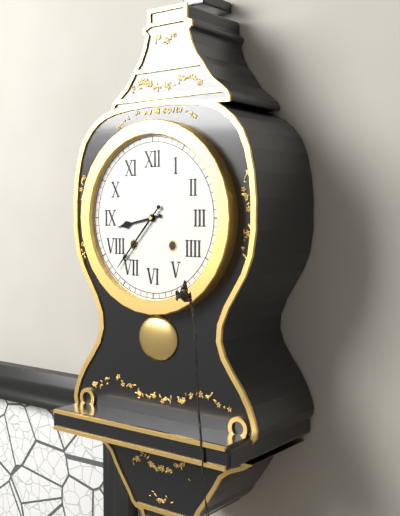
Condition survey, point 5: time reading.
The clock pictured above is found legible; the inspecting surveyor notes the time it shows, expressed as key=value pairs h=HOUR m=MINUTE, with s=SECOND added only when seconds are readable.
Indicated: h=8 m=37
